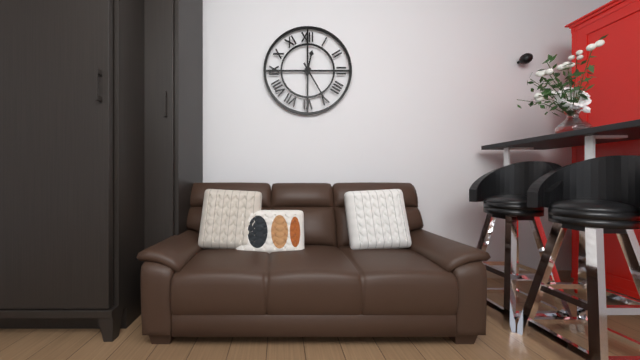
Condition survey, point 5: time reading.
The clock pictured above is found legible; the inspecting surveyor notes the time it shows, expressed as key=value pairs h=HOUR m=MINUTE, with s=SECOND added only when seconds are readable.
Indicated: h=12 m=25
